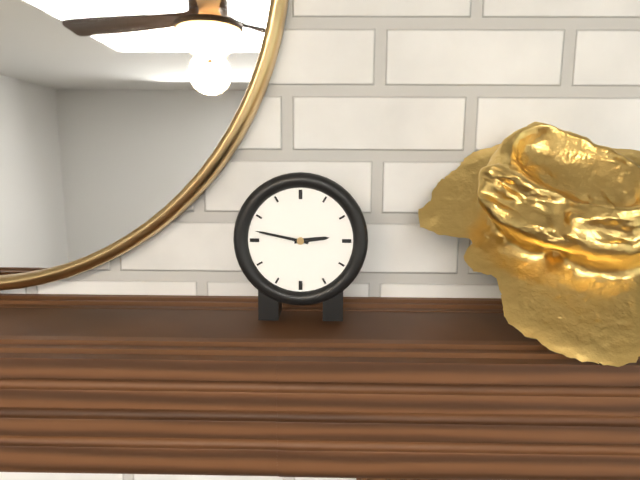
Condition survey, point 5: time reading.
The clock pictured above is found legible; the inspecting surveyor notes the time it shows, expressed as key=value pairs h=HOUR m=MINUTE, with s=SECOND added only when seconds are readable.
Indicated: h=2 m=47
